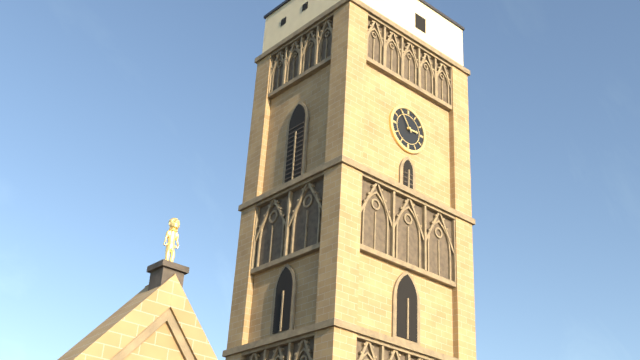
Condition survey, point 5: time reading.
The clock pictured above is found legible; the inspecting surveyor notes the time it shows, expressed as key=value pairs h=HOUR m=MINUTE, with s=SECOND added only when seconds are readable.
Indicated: h=2 m=54
